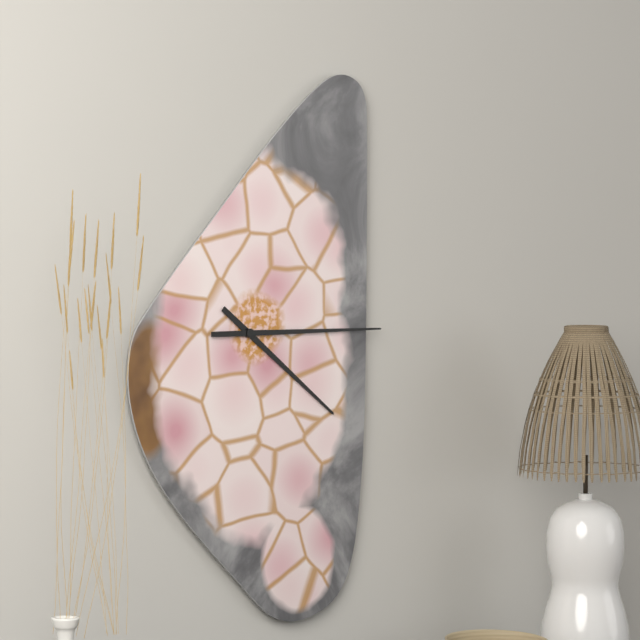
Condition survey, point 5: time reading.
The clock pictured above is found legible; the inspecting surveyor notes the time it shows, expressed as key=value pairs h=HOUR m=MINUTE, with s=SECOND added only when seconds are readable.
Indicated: h=4 m=15
